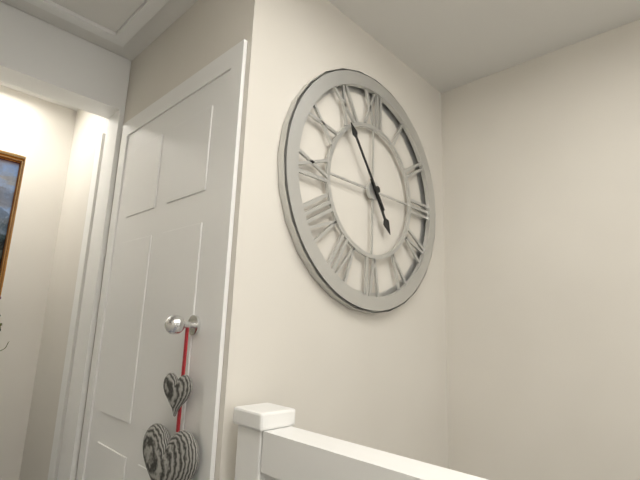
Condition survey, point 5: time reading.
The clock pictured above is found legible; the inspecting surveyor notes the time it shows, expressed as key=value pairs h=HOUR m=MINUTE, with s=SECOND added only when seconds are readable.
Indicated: h=4 m=54
